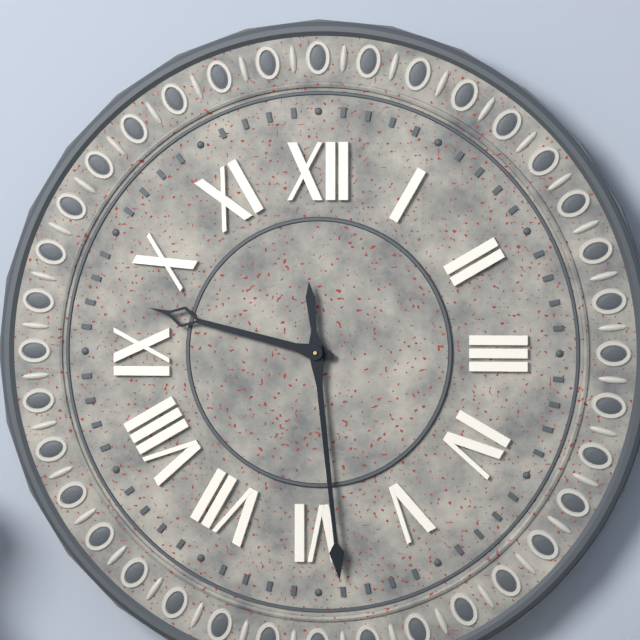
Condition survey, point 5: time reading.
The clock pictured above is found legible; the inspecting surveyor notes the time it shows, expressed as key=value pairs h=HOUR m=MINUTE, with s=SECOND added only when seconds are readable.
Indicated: h=9 m=29
